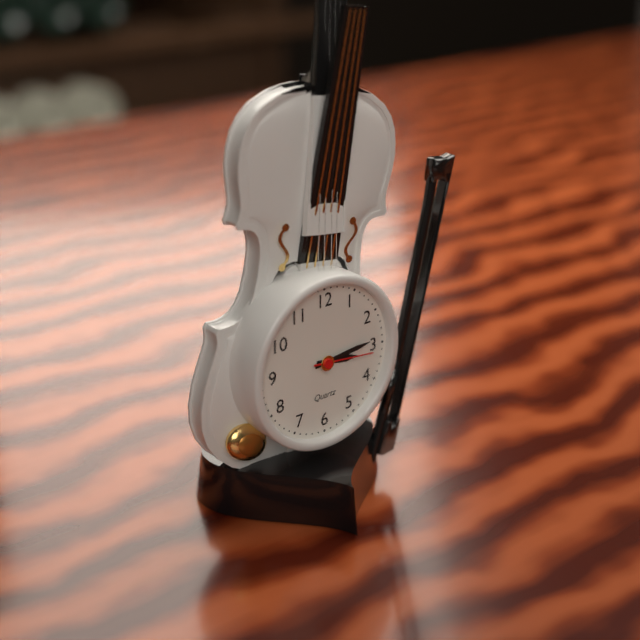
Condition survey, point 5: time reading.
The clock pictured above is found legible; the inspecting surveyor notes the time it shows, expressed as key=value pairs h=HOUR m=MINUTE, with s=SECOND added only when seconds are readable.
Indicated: h=3 m=14 s=16
